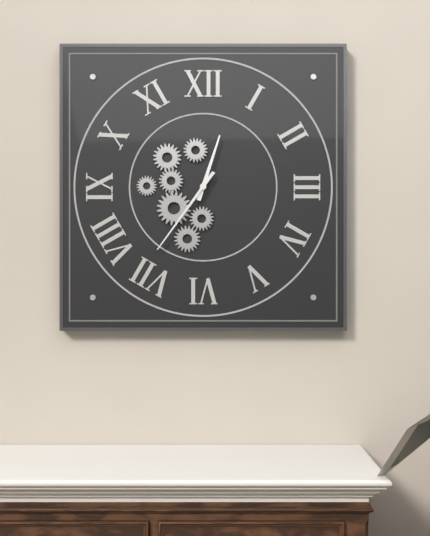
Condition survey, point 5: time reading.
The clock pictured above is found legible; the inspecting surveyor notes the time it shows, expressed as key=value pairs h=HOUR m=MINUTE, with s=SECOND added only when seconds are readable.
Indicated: h=12 m=36
